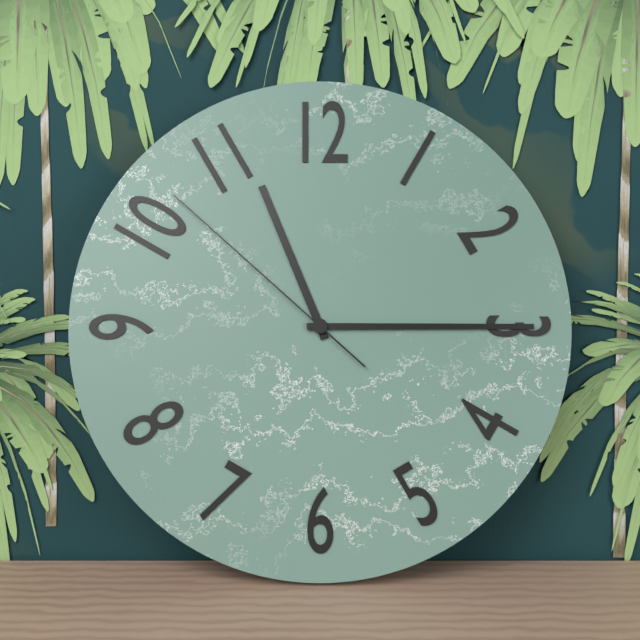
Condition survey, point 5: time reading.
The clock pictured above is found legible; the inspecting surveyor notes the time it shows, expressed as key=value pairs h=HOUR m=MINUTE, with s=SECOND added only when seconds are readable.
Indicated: h=11 m=15 s=52
